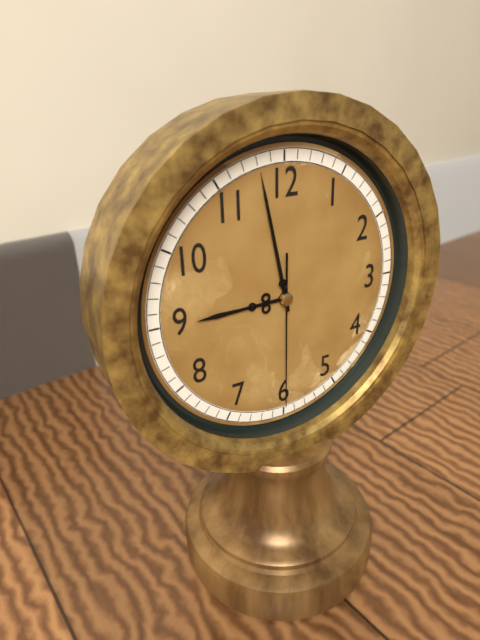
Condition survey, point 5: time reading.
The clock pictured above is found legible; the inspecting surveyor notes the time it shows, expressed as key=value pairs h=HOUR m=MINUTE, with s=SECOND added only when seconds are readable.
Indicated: h=8 m=58 s=30
